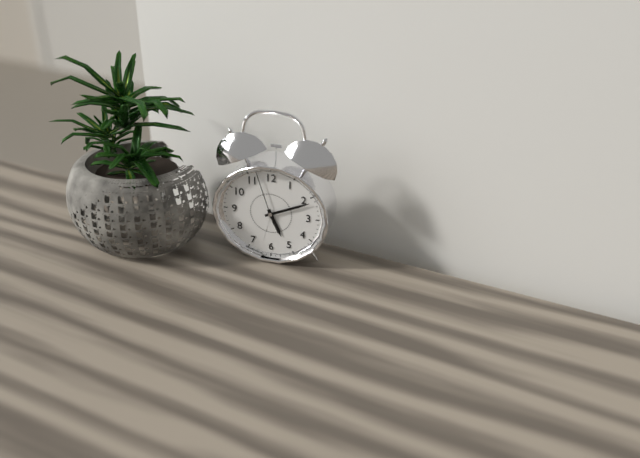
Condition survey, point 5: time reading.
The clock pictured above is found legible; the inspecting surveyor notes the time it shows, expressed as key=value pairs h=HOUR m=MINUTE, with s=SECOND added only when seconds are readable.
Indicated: h=5 m=11 s=57
